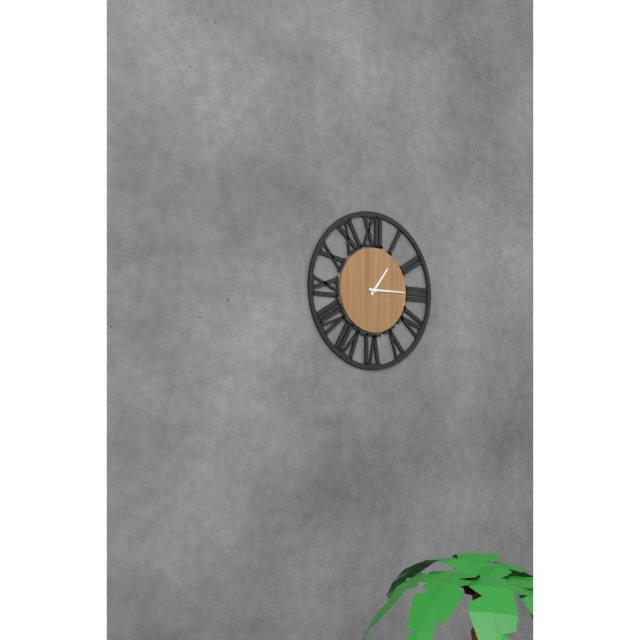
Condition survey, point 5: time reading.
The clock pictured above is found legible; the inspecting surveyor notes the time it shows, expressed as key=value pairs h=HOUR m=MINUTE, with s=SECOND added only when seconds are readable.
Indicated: h=1 m=15
